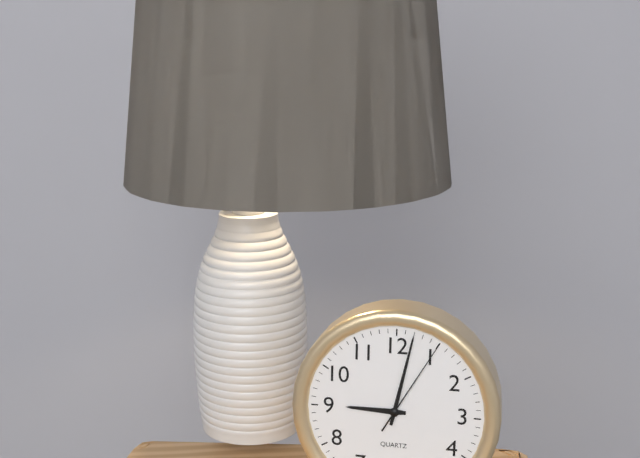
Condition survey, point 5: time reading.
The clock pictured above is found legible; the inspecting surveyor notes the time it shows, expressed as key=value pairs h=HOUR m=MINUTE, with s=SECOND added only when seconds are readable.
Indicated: h=9 m=2 s=5
